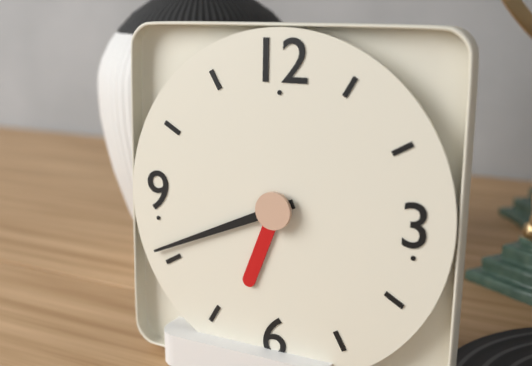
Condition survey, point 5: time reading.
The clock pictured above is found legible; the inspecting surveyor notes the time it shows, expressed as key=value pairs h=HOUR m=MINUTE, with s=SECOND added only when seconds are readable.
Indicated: h=6 m=41
